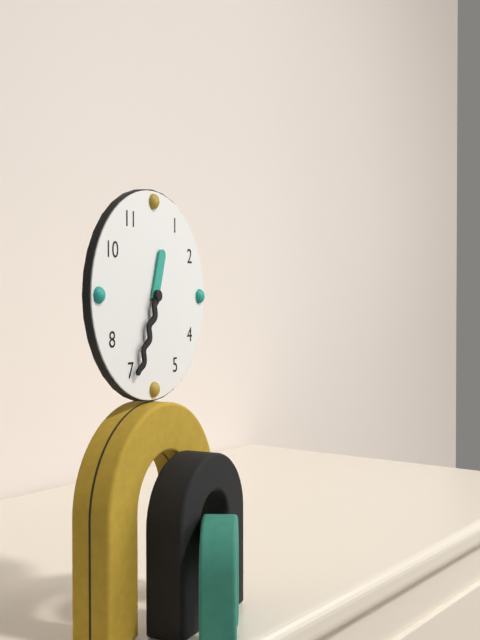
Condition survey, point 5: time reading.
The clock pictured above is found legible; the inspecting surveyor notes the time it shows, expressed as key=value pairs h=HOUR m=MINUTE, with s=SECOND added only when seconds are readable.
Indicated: h=12 m=34
